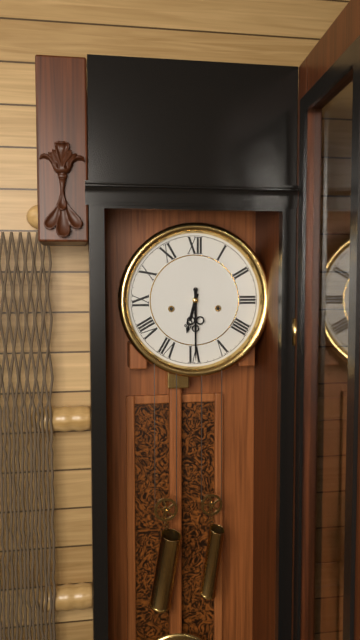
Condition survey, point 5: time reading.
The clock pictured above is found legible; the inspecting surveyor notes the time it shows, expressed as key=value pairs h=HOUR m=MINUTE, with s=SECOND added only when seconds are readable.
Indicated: h=6 m=30
